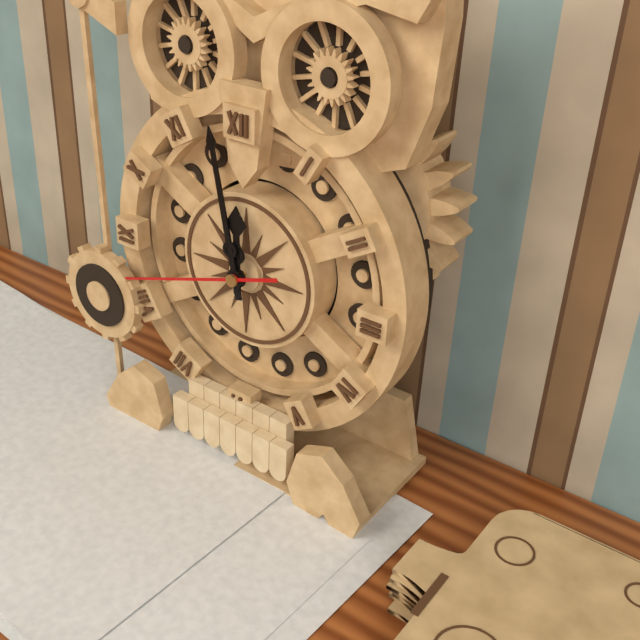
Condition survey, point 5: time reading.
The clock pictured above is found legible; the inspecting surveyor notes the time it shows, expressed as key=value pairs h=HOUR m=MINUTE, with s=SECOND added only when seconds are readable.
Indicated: h=11 m=58 s=42
